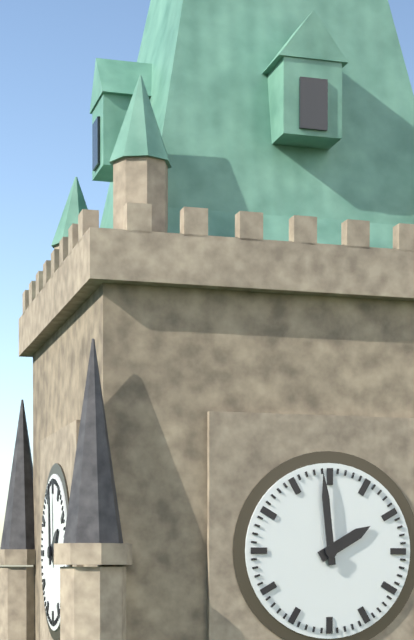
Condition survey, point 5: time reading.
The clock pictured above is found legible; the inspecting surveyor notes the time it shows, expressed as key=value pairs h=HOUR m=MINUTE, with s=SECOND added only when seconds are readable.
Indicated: h=1 m=59
